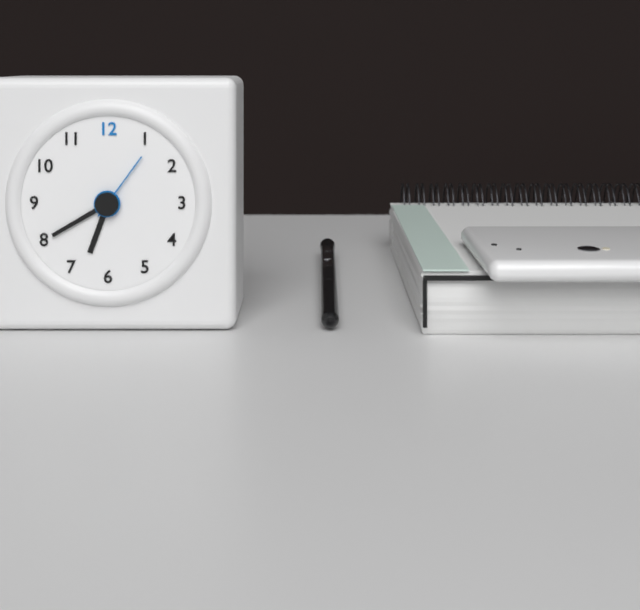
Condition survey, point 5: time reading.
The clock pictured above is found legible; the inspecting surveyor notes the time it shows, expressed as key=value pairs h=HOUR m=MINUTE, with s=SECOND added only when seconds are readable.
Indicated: h=6 m=40 s=6
